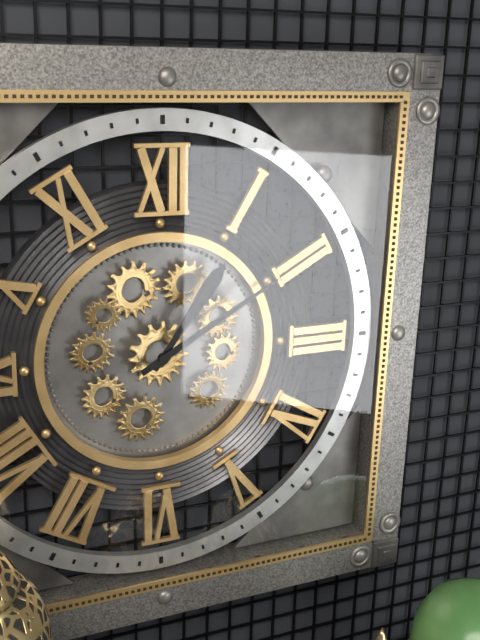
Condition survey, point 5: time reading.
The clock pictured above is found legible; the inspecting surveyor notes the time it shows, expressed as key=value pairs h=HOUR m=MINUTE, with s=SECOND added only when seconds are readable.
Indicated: h=1 m=10
